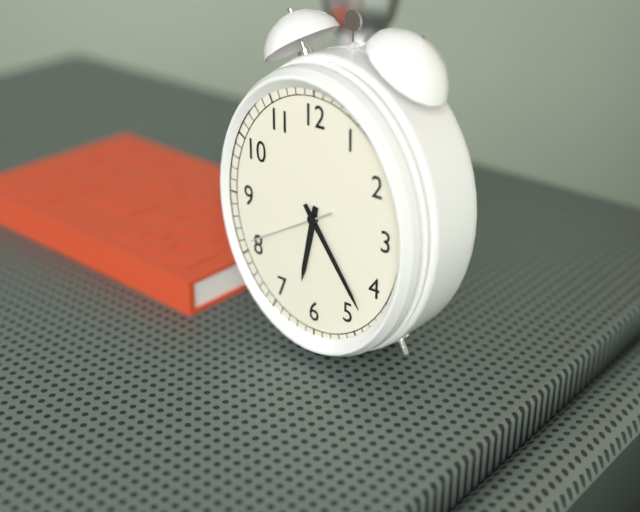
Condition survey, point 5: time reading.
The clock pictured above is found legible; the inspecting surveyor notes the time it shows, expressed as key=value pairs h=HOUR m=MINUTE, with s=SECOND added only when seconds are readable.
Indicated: h=6 m=24 s=40
